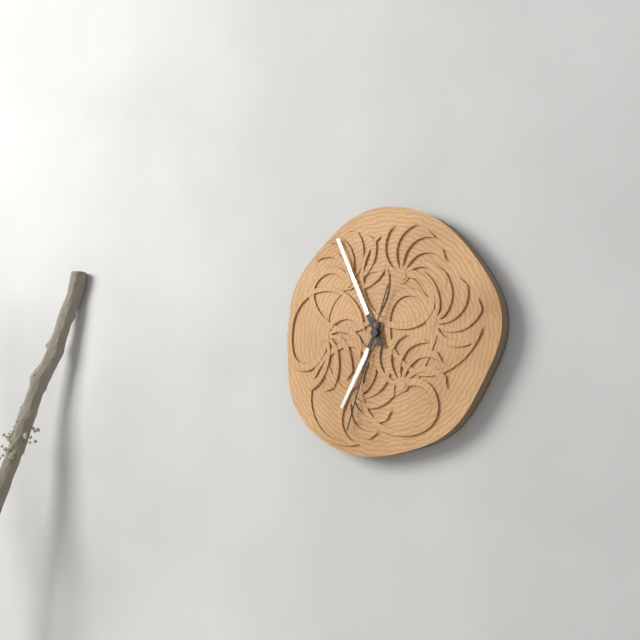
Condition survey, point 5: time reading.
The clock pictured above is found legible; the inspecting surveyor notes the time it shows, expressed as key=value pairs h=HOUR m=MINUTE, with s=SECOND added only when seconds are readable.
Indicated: h=6 m=56 s=33
